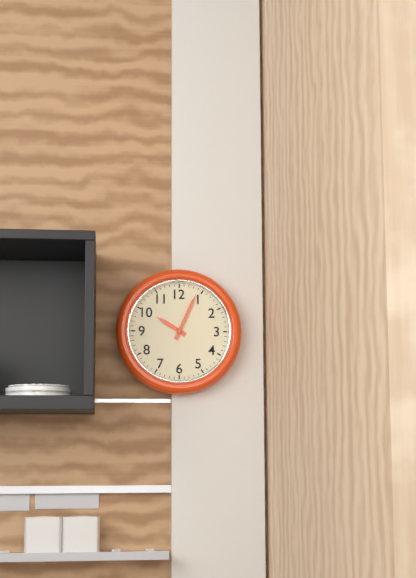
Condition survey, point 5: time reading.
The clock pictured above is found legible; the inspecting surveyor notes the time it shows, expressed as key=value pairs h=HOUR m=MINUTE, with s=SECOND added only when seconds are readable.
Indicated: h=10 m=4
